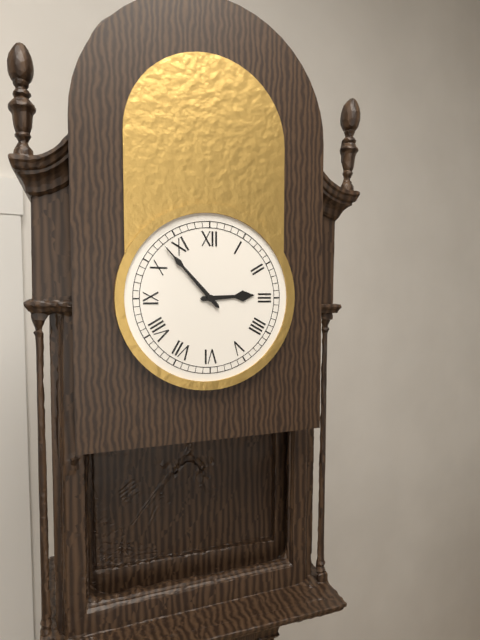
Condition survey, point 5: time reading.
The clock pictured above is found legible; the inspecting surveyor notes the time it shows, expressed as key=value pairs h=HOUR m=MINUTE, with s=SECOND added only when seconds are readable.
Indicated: h=2 m=53
